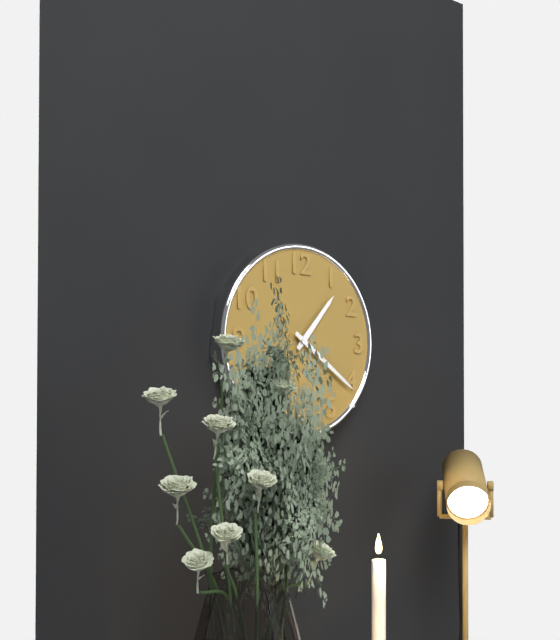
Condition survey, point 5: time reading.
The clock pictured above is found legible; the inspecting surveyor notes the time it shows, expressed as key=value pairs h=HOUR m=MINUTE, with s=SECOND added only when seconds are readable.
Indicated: h=1 m=21
